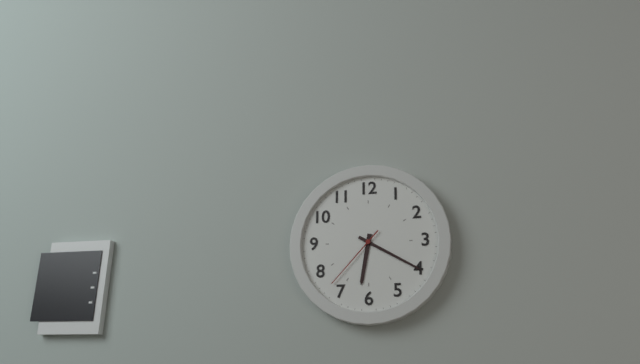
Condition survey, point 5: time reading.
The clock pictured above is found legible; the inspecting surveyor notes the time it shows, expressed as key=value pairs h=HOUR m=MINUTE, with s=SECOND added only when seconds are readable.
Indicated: h=6 m=20 s=37
